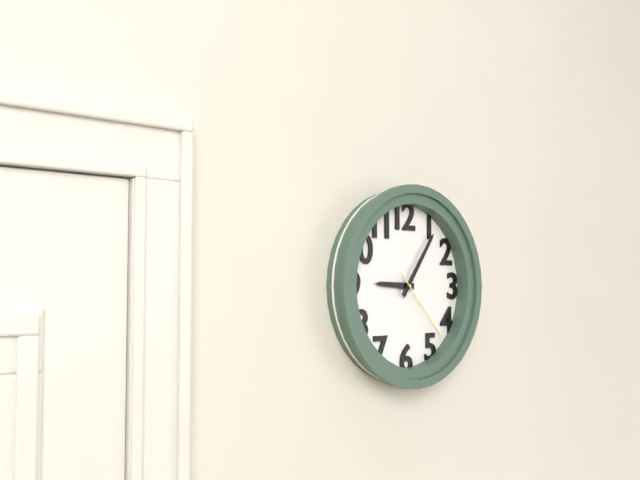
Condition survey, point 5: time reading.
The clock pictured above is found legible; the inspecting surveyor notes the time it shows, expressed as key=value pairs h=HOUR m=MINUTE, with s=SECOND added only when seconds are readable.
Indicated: h=9 m=6 s=23
